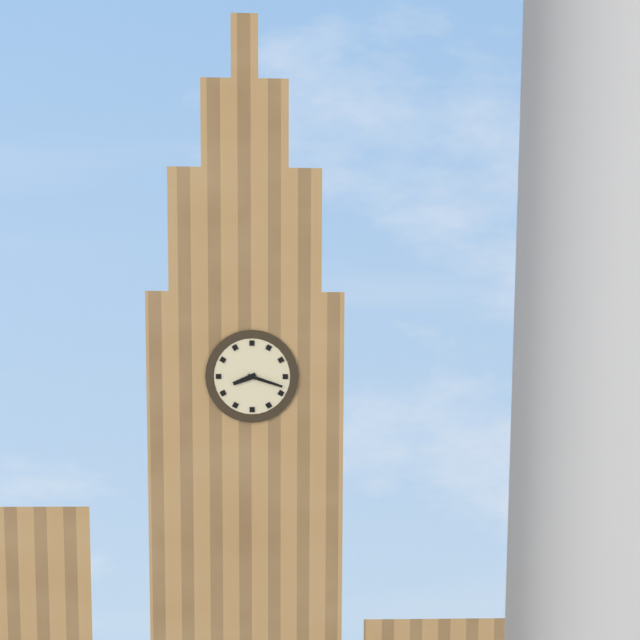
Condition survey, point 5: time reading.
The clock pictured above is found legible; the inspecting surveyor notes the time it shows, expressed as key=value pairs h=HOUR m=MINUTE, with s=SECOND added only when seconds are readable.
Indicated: h=8 m=18
